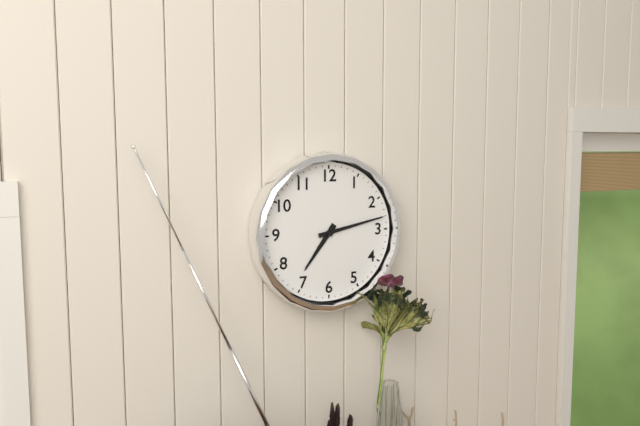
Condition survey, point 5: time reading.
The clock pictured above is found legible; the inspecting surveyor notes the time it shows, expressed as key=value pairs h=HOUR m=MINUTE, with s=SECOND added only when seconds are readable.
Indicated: h=7 m=13
